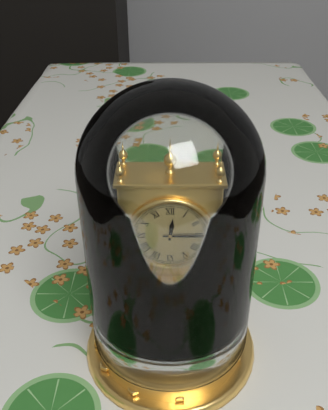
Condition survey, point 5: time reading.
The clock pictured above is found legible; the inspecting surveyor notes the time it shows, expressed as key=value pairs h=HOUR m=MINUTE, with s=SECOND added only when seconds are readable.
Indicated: h=12 m=15
